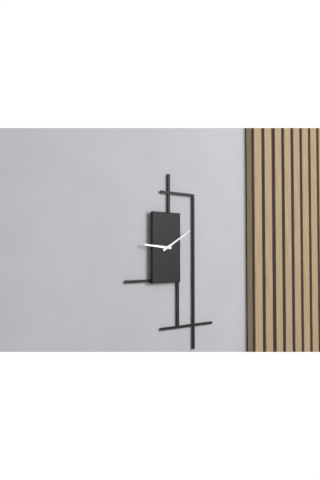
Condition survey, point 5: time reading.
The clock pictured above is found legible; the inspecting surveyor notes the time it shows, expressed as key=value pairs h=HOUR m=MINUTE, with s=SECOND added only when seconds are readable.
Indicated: h=9 m=10
